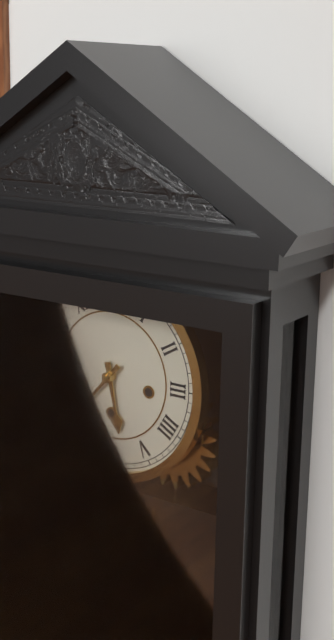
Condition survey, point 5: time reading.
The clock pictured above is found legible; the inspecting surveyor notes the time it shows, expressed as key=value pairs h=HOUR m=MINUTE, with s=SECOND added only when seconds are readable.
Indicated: h=5 m=37
